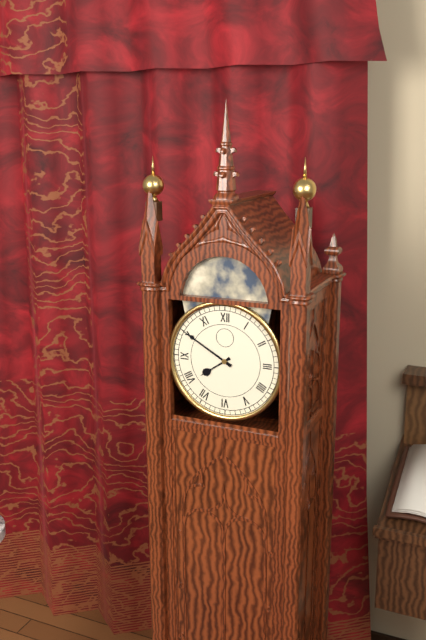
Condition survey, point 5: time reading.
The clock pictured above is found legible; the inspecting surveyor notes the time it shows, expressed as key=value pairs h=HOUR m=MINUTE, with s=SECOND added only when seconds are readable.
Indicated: h=7 m=50
